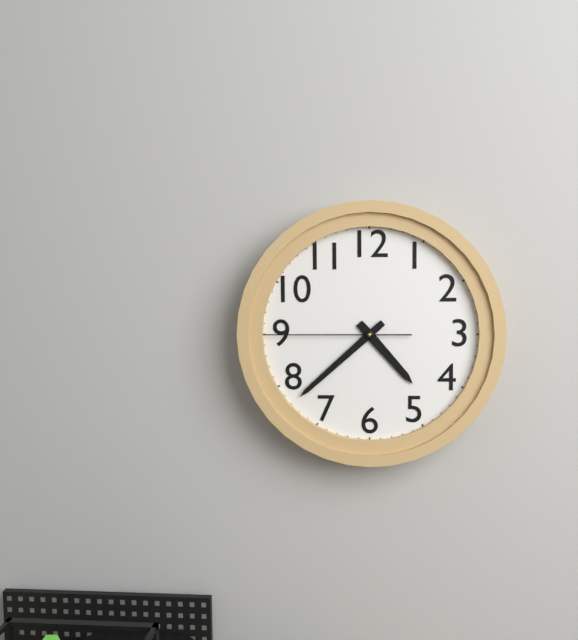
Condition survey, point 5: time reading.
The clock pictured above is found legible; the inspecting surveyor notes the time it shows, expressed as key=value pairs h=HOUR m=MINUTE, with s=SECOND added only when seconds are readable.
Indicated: h=4 m=38 s=45
